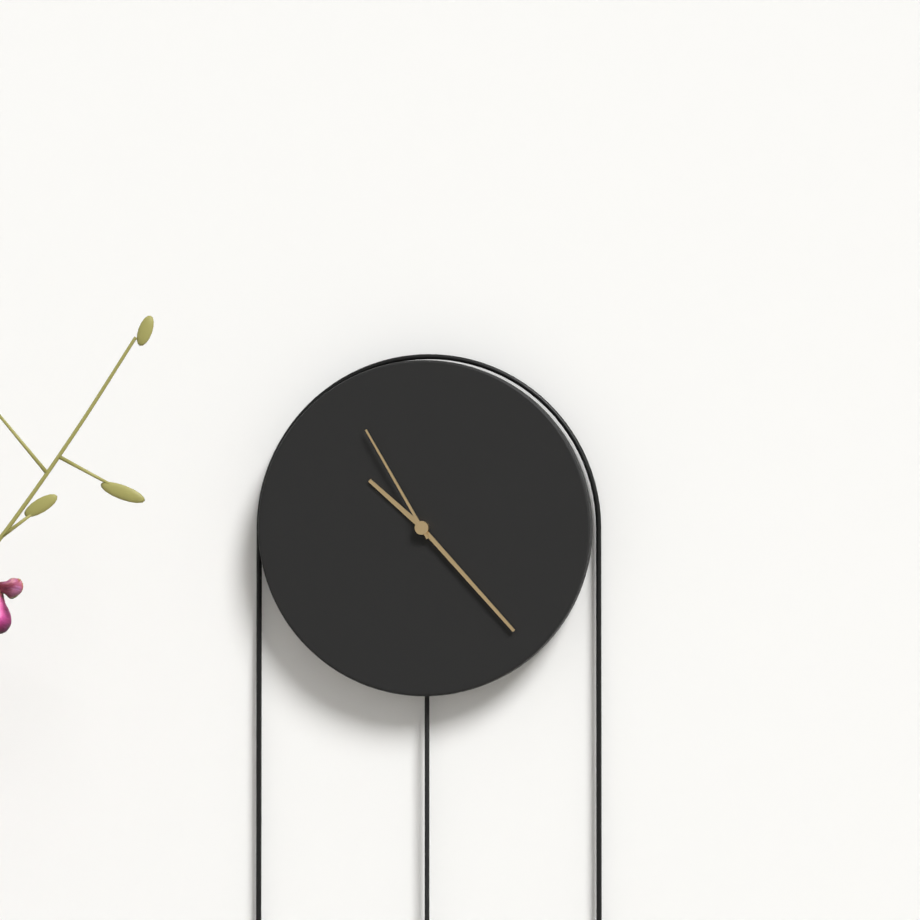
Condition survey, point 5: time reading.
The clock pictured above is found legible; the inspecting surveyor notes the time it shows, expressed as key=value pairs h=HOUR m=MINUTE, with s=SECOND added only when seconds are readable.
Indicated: h=10 m=23 s=55
